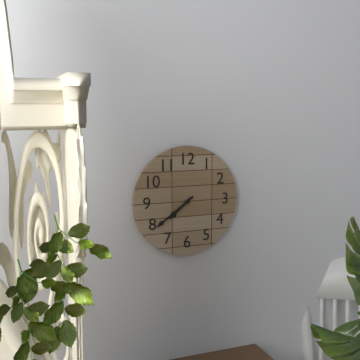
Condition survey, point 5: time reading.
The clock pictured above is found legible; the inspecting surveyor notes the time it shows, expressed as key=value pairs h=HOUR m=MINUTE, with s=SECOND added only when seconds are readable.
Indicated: h=7 m=39
